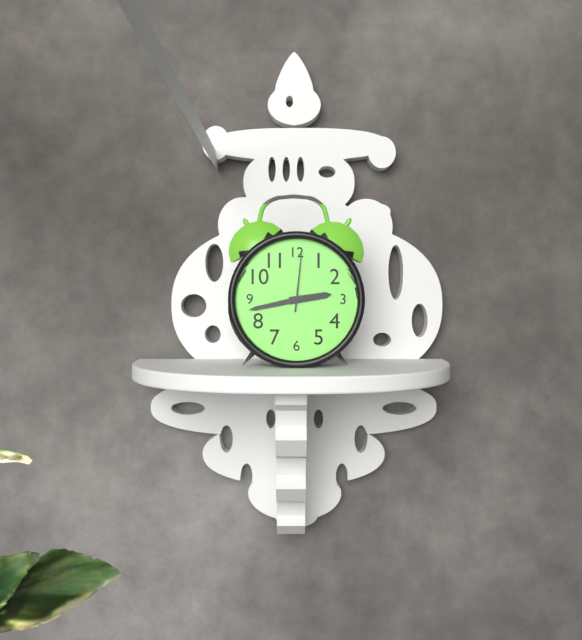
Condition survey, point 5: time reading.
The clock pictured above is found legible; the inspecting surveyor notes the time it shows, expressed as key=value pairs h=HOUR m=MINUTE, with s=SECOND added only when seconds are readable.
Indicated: h=2 m=43 s=1
